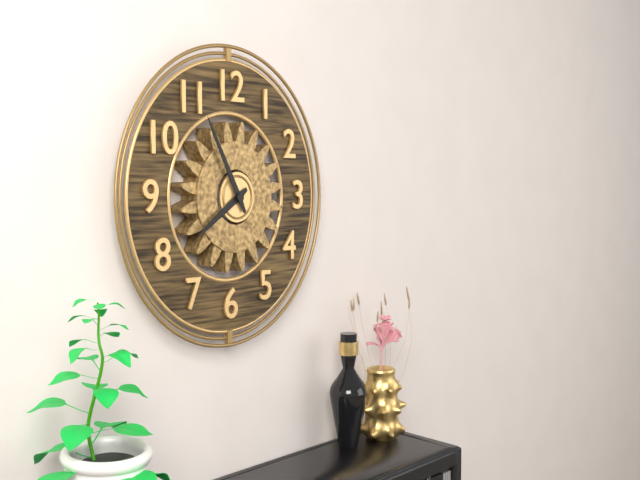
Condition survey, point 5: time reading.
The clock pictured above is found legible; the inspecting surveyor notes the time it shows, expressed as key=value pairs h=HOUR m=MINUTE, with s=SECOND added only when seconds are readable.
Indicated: h=7 m=55
